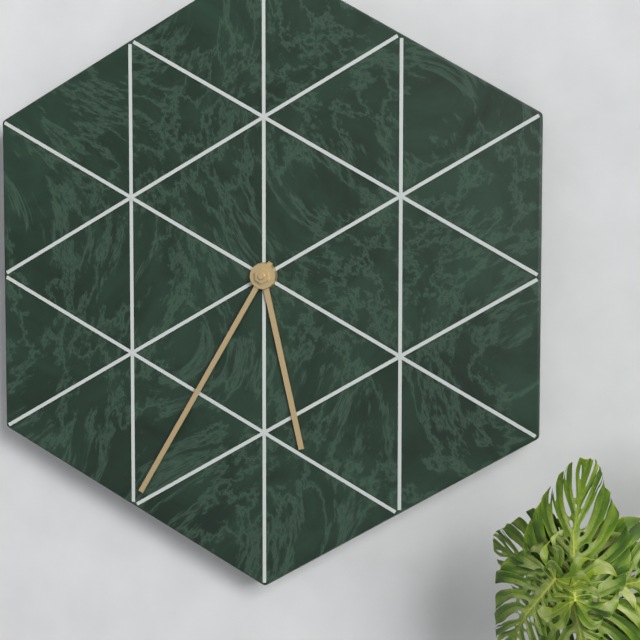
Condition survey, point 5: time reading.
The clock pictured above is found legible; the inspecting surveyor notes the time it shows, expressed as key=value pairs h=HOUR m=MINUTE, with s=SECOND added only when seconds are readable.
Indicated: h=5 m=35
